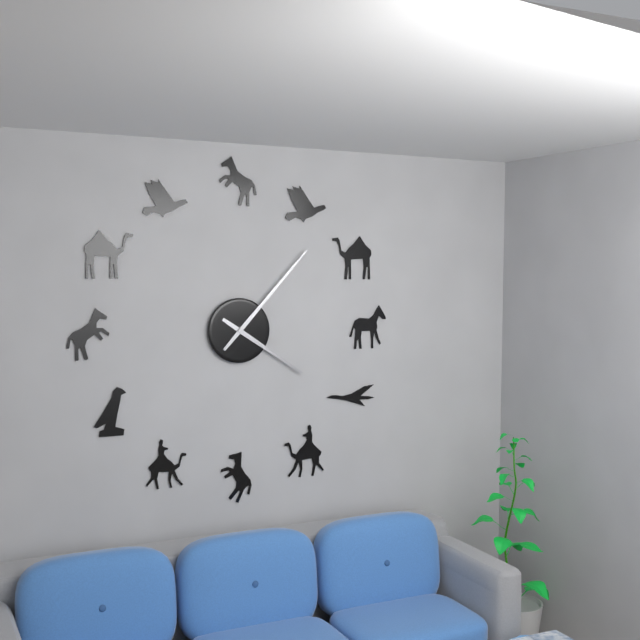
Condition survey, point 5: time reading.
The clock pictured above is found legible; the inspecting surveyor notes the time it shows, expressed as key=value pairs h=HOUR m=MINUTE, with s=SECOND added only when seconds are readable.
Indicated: h=4 m=7
